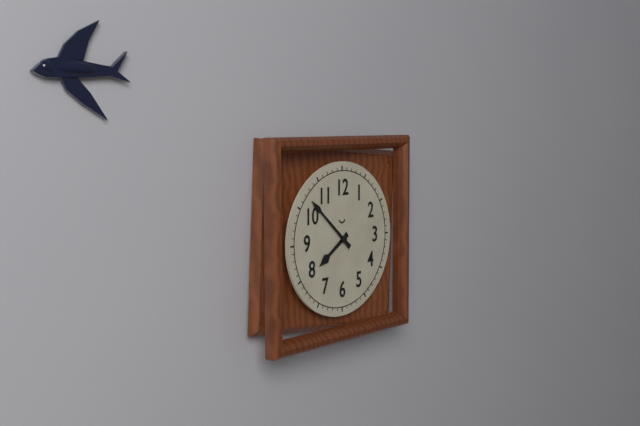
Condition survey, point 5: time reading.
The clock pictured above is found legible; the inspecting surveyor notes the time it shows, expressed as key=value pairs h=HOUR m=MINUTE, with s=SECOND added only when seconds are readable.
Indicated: h=7 m=52
